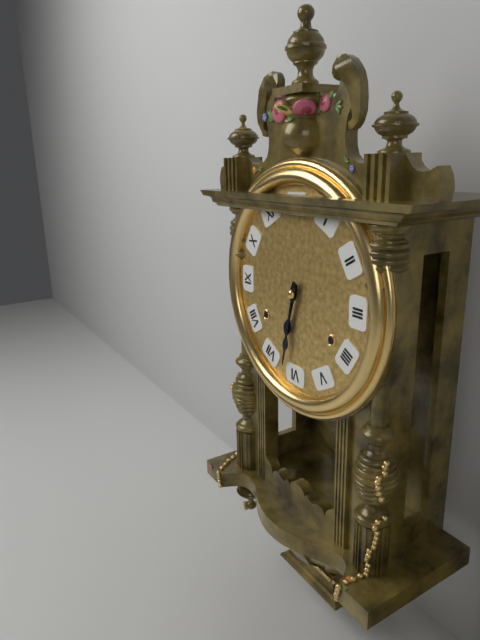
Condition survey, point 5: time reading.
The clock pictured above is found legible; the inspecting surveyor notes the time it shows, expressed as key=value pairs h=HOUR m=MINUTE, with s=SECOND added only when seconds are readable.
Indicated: h=6 m=32
